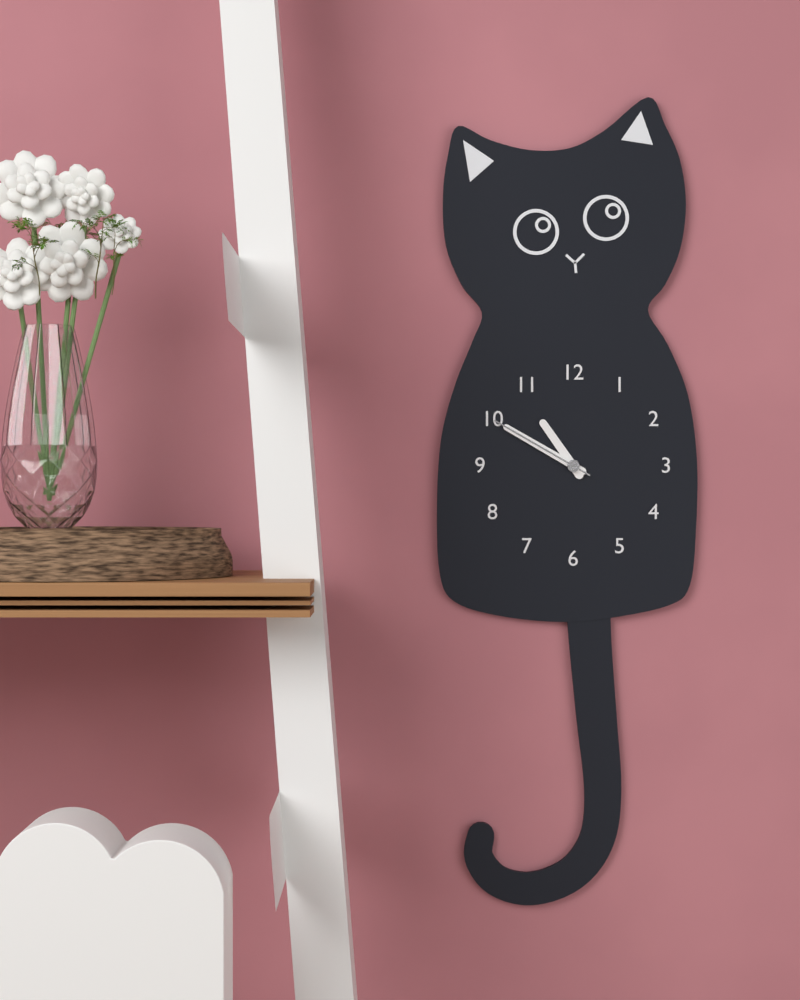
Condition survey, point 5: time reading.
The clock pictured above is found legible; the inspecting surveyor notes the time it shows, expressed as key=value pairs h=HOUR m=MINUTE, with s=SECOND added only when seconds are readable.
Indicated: h=10 m=50 s=50
